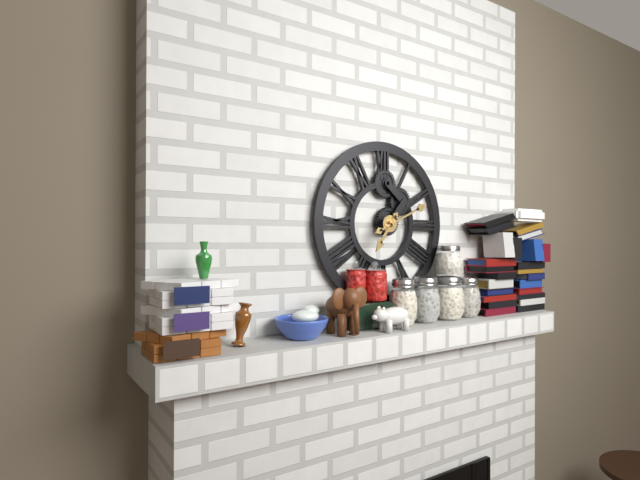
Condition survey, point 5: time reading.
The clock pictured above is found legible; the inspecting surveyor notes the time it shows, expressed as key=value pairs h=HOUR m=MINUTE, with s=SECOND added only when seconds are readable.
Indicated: h=7 m=11
